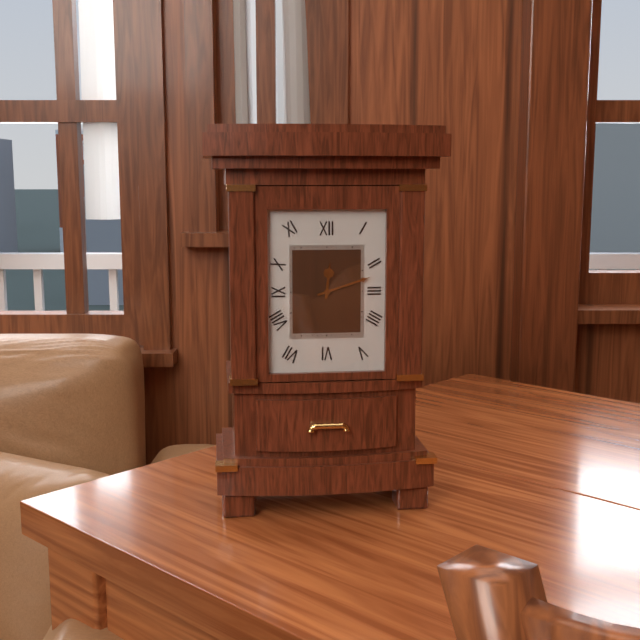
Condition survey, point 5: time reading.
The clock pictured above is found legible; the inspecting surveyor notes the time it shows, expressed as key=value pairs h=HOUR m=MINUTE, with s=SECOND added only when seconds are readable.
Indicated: h=12 m=12
